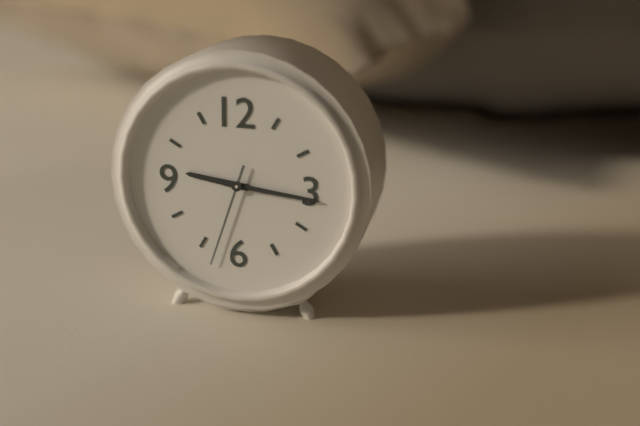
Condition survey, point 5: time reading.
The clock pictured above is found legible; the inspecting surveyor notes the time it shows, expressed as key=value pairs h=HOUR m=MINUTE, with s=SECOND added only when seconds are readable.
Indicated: h=9 m=16 s=33
